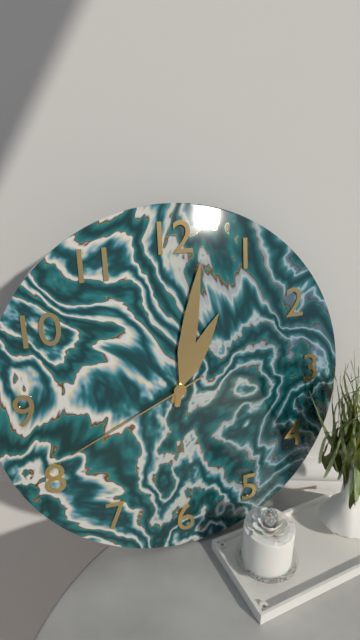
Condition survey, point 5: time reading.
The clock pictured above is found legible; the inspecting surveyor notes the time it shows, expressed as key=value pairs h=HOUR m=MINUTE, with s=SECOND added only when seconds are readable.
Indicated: h=1 m=2 s=41
